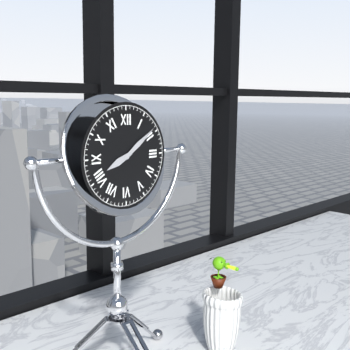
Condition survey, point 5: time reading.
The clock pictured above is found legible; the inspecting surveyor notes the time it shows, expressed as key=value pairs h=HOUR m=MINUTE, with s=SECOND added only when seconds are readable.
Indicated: h=8 m=9
